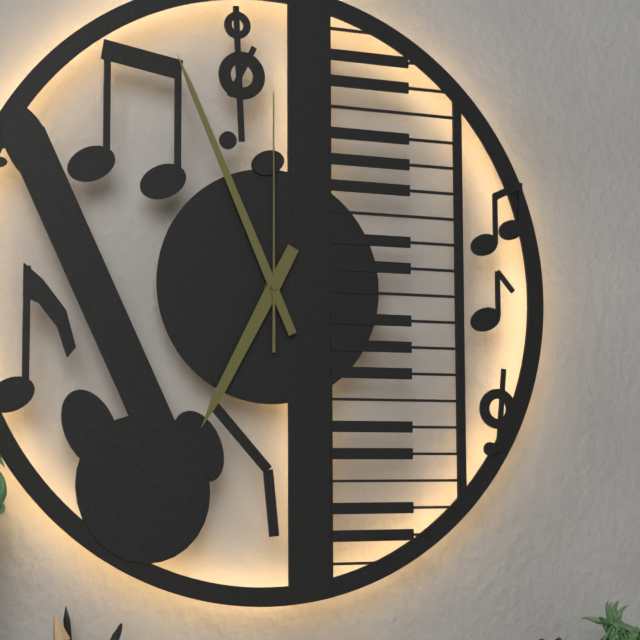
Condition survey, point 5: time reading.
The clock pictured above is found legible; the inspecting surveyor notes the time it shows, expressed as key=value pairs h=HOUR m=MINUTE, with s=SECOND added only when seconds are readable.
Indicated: h=6 m=56 s=0
